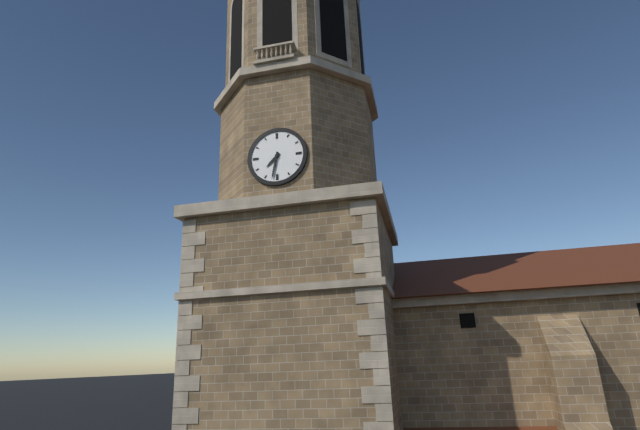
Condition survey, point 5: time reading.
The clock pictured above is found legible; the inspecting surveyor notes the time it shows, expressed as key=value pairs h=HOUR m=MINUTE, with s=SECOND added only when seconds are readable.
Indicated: h=7 m=32
